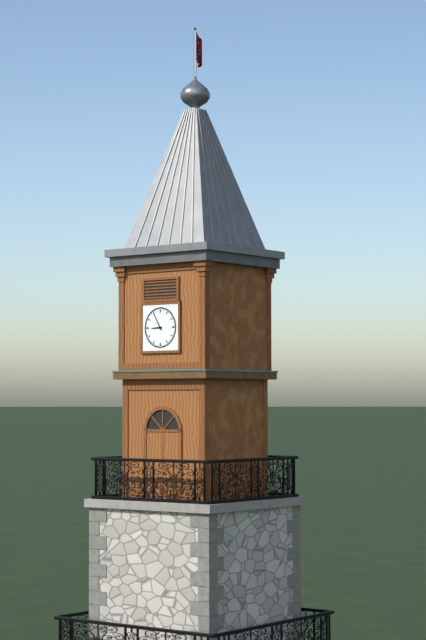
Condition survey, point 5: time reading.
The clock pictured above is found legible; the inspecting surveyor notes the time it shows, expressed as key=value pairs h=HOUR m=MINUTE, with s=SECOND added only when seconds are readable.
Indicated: h=8 m=55
